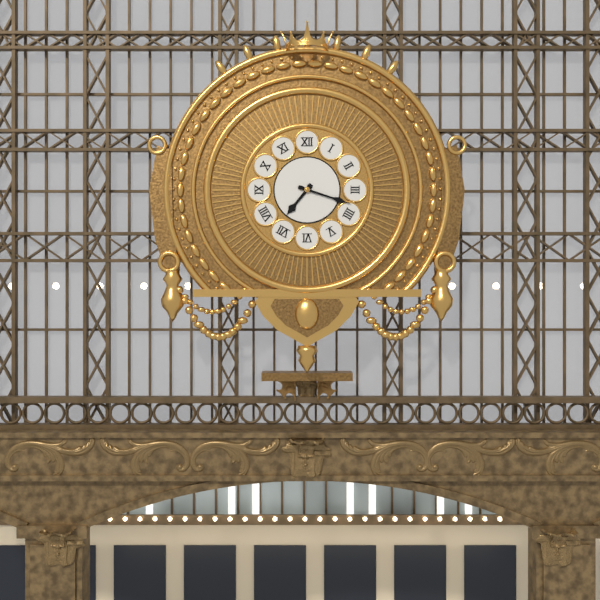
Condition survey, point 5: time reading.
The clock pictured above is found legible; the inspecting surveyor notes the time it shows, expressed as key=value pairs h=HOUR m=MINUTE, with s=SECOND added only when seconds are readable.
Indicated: h=7 m=18
